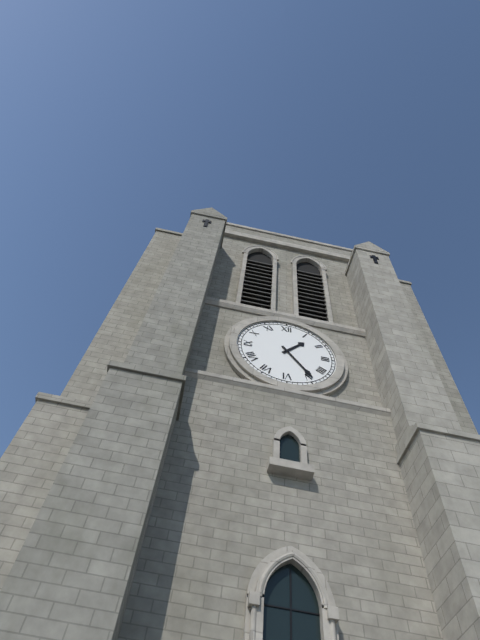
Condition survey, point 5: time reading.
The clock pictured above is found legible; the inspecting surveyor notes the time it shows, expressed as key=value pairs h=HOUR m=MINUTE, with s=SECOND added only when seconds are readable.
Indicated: h=1 m=24
